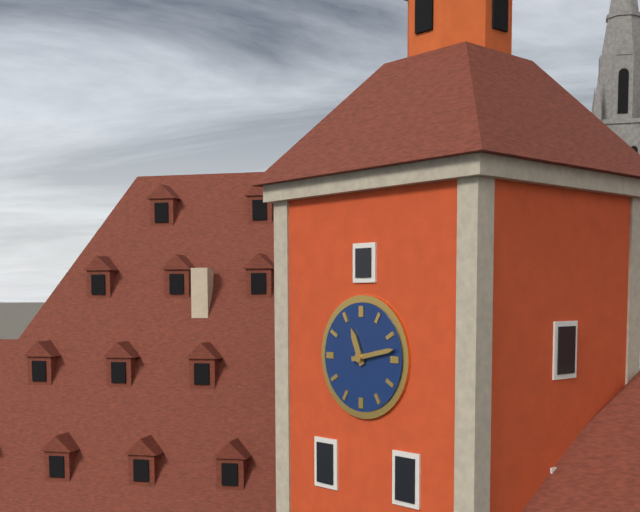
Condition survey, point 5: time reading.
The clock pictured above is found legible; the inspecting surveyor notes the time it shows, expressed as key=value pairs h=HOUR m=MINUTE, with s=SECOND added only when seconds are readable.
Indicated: h=11 m=13
